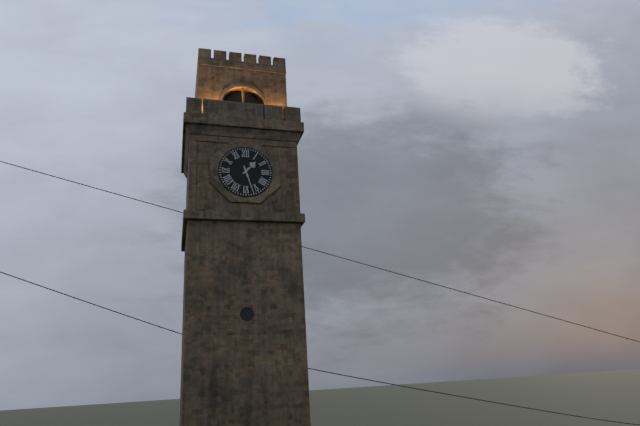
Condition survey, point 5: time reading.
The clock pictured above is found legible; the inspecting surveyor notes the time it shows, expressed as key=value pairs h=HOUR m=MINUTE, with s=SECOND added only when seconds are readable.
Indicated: h=1 m=27
